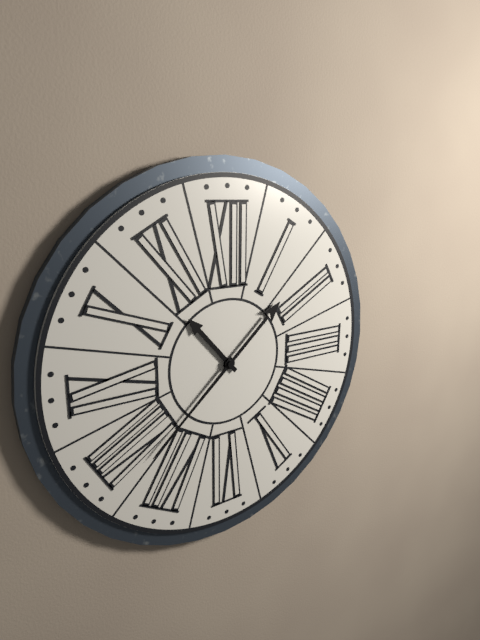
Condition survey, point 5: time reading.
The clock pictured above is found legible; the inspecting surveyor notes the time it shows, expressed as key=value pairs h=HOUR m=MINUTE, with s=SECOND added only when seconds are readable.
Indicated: h=10 m=38
